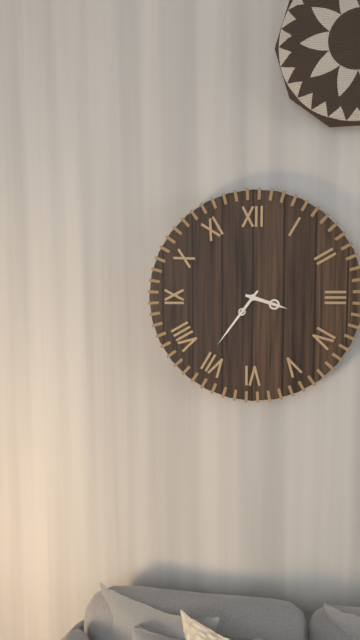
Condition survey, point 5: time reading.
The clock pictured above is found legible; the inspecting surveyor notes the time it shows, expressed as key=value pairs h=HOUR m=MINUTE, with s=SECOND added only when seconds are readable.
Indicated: h=3 m=36
